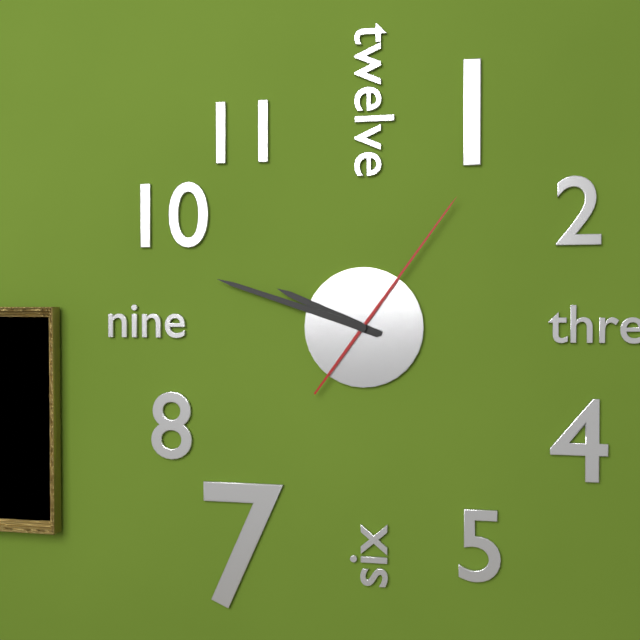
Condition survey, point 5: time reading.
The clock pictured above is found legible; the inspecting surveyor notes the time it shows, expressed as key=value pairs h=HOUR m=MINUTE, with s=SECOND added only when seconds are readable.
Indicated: h=9 m=48 s=6
